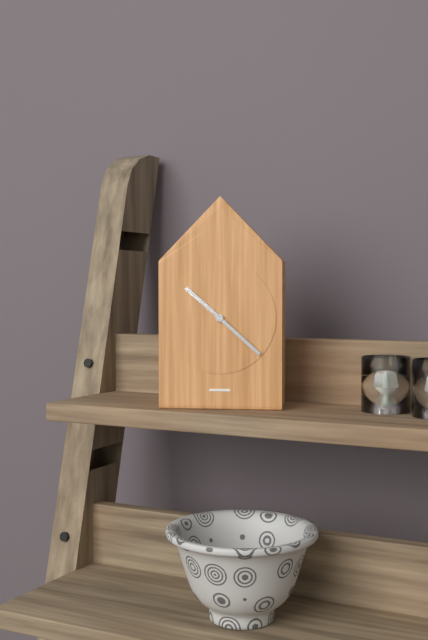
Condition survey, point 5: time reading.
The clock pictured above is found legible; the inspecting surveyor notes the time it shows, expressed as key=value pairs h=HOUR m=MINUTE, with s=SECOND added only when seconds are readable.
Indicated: h=10 m=22
